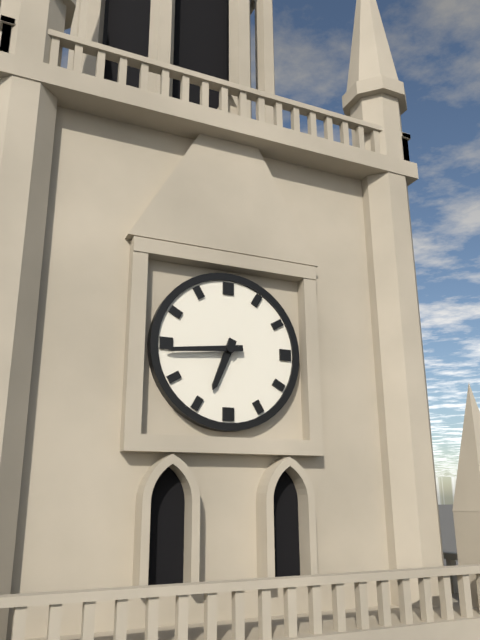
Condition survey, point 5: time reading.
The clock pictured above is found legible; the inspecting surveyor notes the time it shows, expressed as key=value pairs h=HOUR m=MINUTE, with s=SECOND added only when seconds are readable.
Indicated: h=6 m=44
